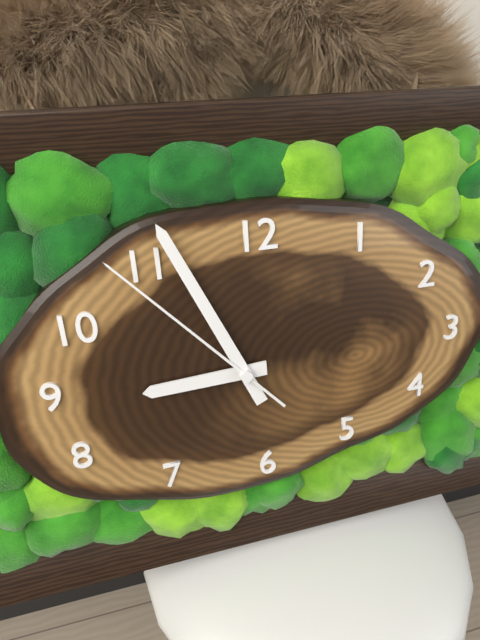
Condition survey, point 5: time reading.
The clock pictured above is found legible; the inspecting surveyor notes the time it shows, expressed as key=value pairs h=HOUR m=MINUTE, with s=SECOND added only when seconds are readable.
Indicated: h=8 m=56 s=53
